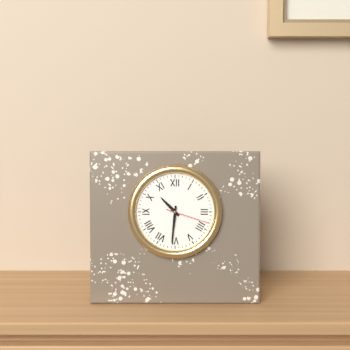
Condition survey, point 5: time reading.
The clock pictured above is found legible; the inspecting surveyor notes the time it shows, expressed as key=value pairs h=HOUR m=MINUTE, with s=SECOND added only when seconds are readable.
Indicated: h=10 m=31
